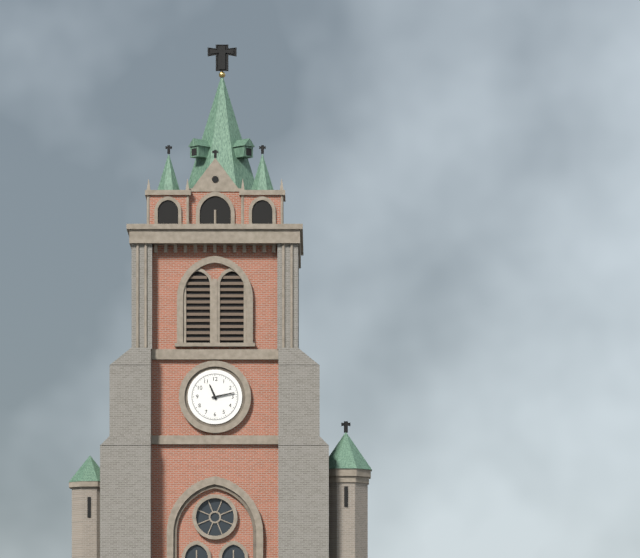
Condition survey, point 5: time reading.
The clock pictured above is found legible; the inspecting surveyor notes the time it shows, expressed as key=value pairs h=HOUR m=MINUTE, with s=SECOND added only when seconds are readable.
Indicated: h=11 m=13
